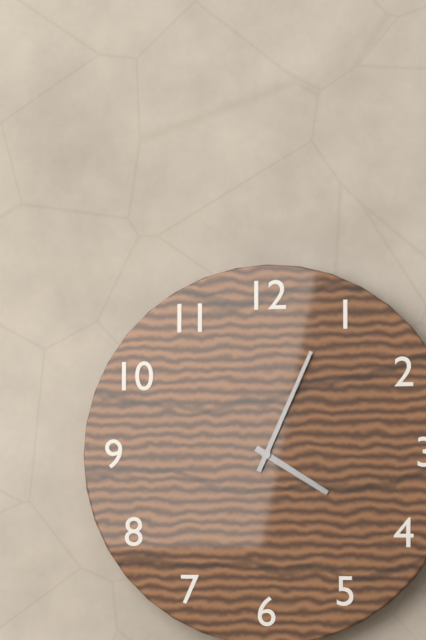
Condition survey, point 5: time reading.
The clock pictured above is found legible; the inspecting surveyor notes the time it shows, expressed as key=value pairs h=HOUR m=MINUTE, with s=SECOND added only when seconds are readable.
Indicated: h=4 m=4
